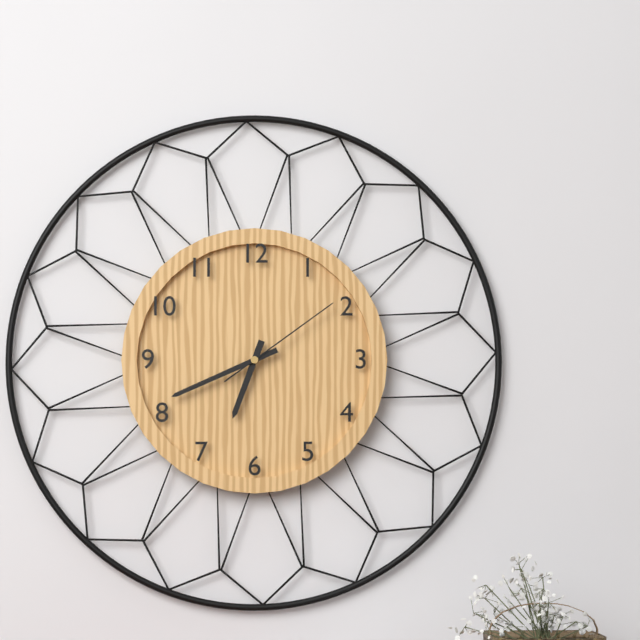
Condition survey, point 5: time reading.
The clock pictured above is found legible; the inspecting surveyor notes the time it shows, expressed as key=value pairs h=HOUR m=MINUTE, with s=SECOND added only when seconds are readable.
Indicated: h=6 m=41 s=9
